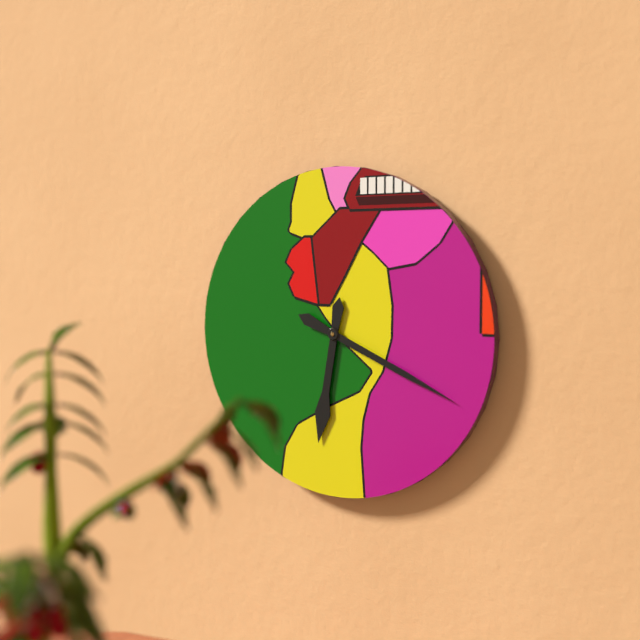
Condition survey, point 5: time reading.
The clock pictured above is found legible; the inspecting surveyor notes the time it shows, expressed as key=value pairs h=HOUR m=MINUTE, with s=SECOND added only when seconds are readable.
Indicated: h=6 m=19
